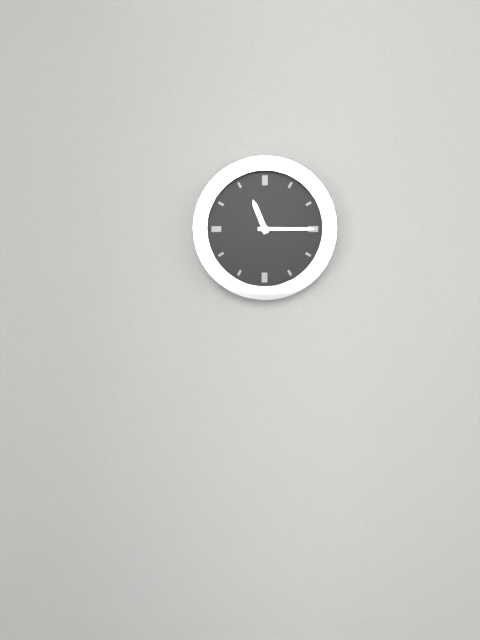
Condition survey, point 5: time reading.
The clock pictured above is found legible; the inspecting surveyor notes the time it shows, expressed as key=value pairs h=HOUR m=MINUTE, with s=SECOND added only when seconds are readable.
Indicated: h=11 m=15
